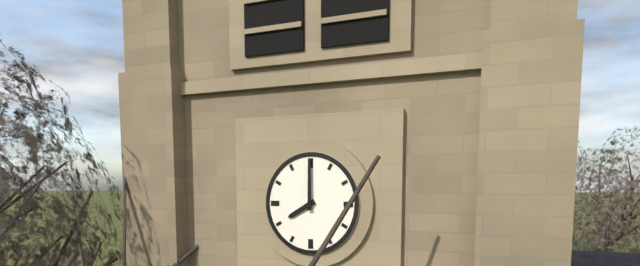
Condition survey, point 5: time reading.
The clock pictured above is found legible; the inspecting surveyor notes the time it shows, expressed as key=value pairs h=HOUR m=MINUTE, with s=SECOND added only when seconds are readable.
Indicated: h=8 m=0
